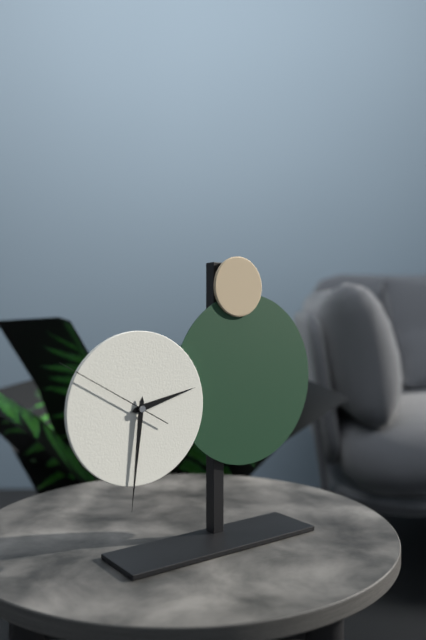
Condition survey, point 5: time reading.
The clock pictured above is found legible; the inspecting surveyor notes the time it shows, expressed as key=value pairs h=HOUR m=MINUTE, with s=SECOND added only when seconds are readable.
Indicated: h=2 m=31 s=50
